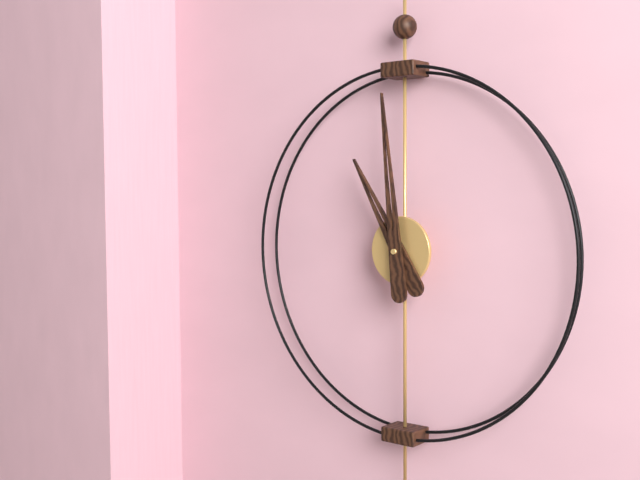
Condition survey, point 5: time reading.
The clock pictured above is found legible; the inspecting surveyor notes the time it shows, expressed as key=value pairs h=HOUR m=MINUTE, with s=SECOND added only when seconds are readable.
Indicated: h=10 m=59
